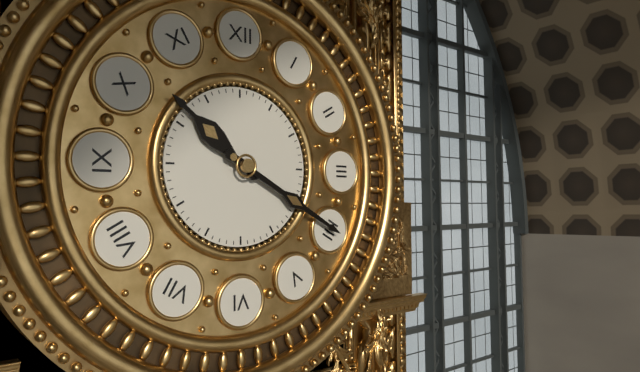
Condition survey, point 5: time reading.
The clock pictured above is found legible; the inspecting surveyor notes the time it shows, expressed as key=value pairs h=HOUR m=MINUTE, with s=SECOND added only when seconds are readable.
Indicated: h=10 m=20
